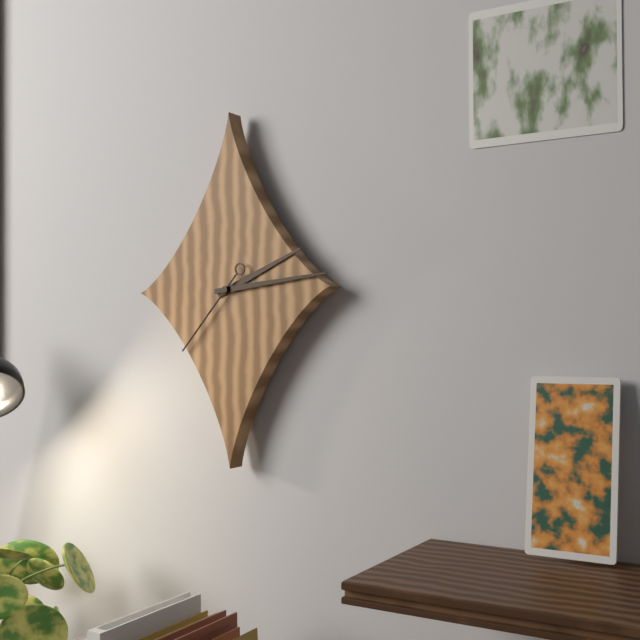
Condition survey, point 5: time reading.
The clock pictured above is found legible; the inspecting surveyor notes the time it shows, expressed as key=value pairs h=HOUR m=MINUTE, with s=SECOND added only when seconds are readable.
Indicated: h=2 m=14 s=37
